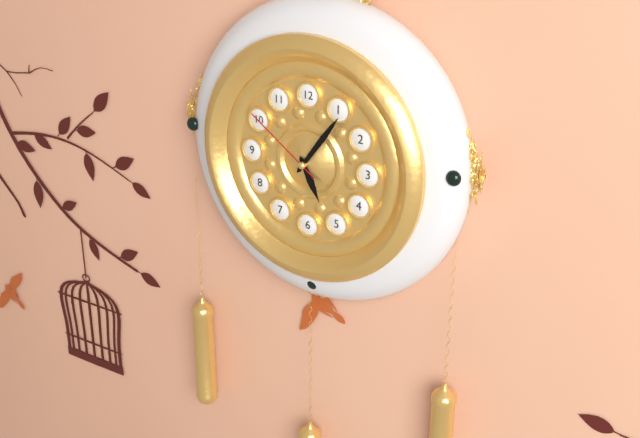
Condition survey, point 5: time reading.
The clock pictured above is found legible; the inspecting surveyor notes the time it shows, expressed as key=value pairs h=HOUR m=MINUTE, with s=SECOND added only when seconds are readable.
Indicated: h=5 m=6 s=51
